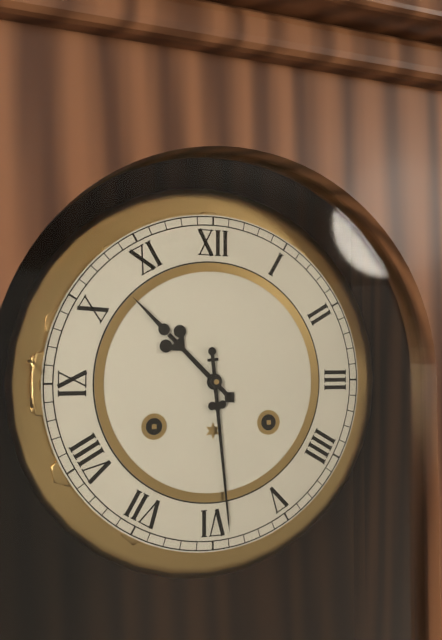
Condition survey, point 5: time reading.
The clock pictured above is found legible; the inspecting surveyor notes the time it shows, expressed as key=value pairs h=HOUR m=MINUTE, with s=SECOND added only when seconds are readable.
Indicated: h=10 m=29
